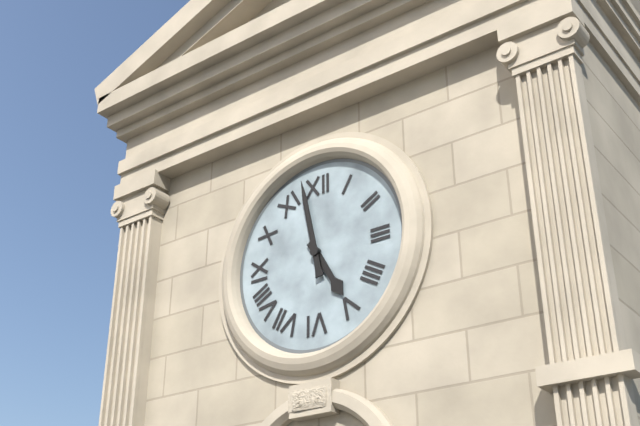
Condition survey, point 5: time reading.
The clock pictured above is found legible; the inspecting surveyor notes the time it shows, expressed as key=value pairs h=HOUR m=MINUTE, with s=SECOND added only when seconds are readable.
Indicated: h=4 m=58
